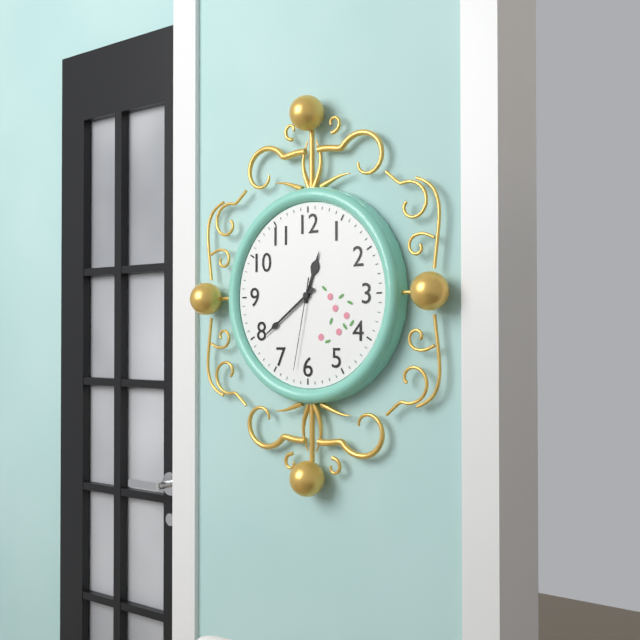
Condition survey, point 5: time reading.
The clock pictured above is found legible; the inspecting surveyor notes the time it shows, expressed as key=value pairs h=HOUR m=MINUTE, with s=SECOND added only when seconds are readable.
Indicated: h=12 m=39 s=32
